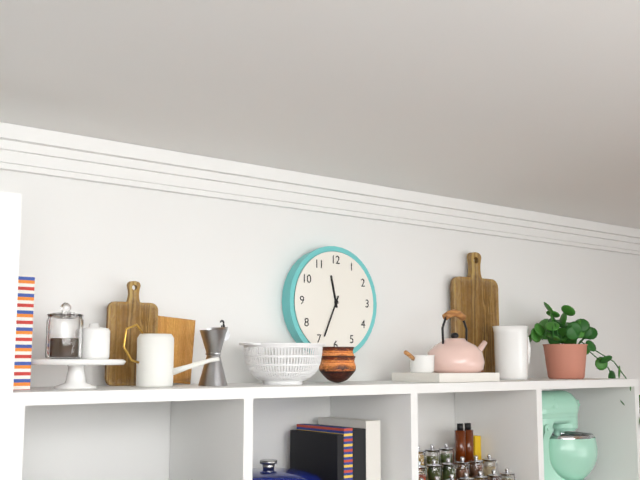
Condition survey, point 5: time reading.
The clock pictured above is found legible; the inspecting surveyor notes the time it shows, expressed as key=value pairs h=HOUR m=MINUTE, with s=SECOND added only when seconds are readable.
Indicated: h=11 m=34
